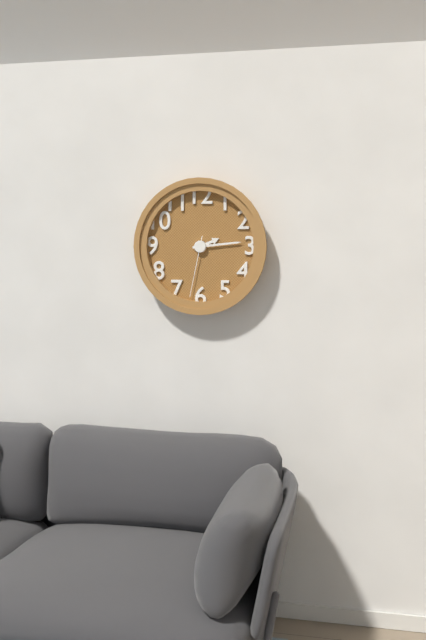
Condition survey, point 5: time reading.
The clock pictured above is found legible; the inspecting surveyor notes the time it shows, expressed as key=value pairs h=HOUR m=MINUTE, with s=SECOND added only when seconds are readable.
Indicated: h=2 m=14 s=32
